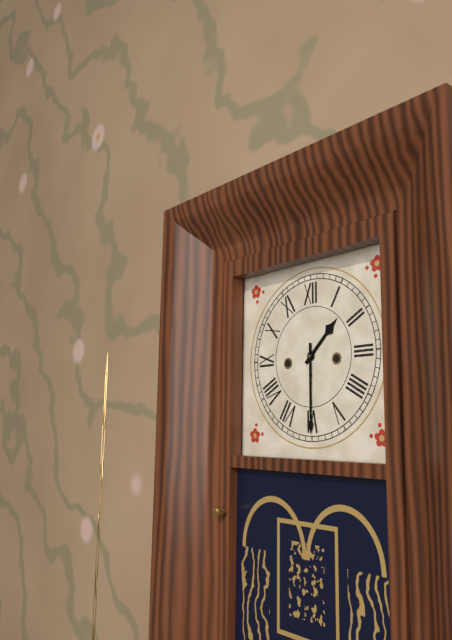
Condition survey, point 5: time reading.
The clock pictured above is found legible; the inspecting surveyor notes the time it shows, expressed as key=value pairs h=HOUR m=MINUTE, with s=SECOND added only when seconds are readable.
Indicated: h=1 m=30
